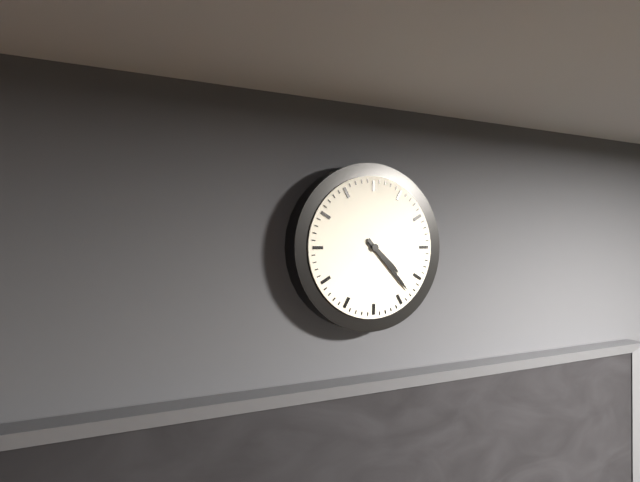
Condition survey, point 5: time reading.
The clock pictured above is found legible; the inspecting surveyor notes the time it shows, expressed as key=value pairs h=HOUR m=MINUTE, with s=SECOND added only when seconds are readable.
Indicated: h=4 m=23
